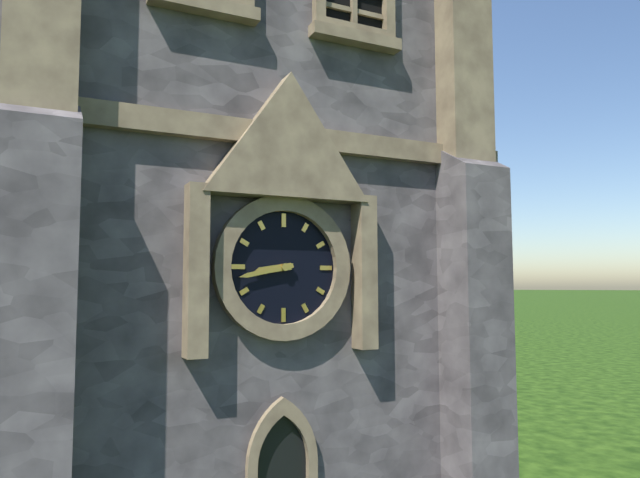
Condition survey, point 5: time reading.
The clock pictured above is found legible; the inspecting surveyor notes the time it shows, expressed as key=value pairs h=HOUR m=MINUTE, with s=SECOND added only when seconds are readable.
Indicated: h=8 m=43
